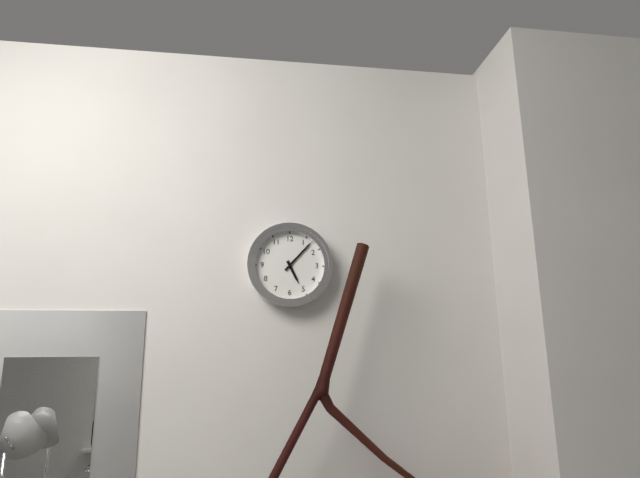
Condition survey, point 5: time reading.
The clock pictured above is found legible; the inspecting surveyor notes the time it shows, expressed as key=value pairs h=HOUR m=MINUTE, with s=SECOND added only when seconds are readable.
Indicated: h=5 m=7
